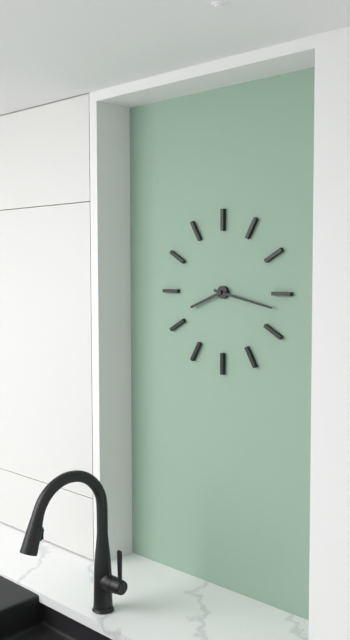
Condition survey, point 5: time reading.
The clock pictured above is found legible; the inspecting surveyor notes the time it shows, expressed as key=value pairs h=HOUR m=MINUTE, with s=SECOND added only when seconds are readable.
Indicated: h=8 m=17
